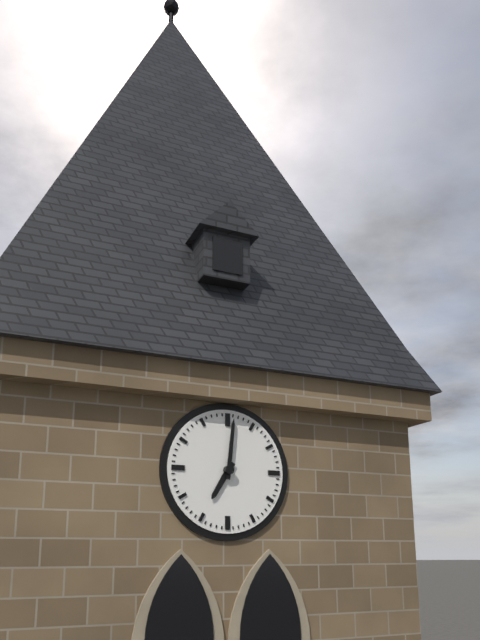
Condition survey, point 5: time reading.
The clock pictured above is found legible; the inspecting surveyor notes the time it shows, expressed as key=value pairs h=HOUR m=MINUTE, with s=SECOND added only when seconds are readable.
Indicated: h=7 m=1
